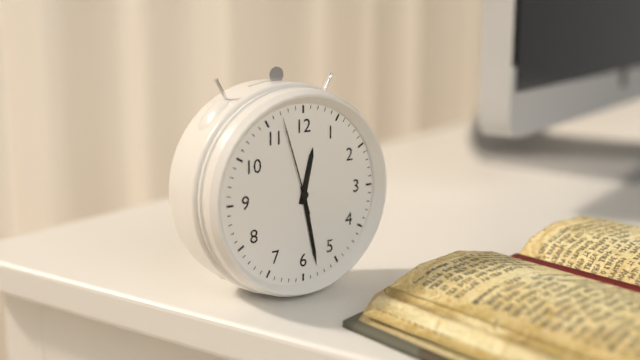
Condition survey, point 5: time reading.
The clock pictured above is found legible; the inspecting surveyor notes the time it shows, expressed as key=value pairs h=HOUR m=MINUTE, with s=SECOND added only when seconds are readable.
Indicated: h=12 m=28 s=57
